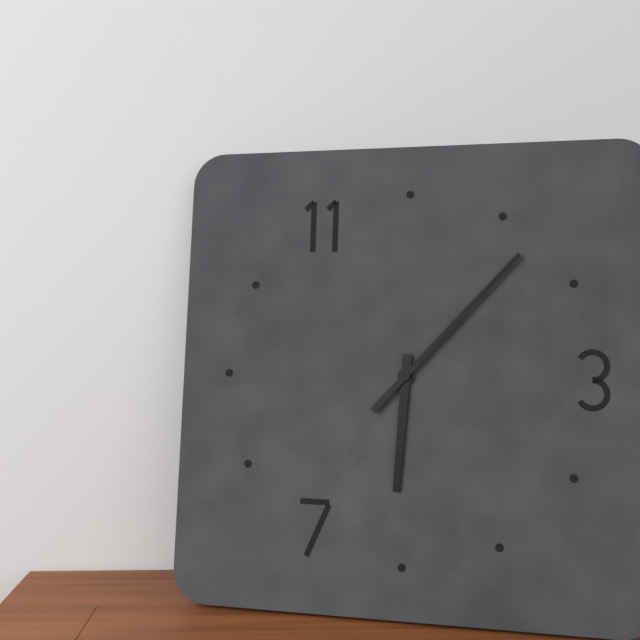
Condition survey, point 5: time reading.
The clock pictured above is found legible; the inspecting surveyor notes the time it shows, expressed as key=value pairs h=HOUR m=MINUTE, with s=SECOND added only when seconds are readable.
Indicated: h=6 m=7
